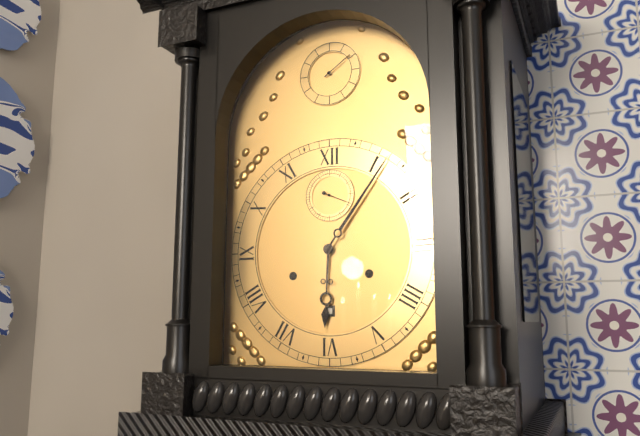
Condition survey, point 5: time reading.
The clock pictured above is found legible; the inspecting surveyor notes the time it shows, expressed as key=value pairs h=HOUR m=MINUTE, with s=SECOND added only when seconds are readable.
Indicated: h=6 m=6
